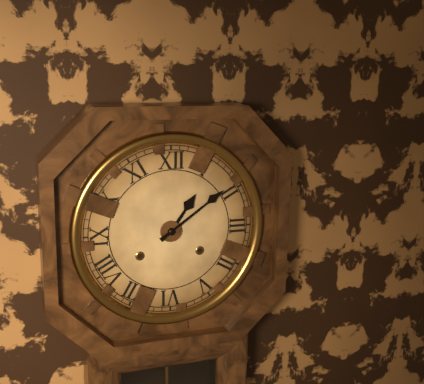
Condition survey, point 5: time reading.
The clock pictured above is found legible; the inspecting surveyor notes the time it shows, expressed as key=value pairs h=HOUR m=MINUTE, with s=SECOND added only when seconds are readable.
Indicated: h=1 m=9
